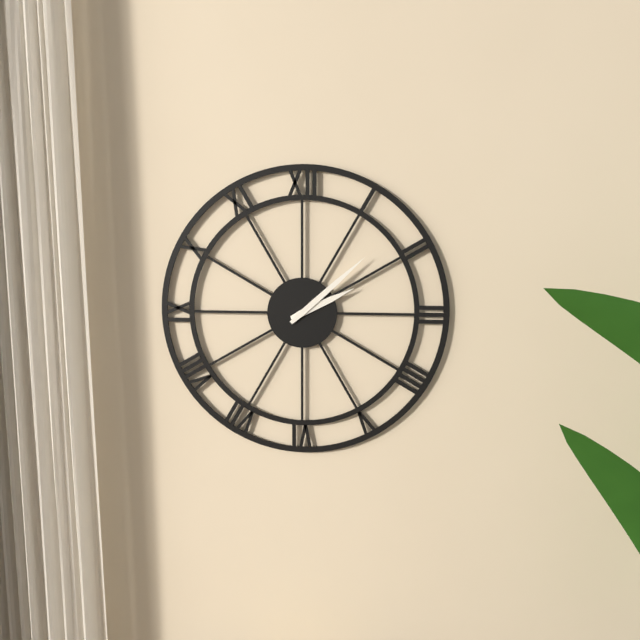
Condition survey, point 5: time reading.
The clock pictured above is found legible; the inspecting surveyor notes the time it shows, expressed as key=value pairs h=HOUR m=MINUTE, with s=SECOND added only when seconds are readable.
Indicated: h=2 m=8
